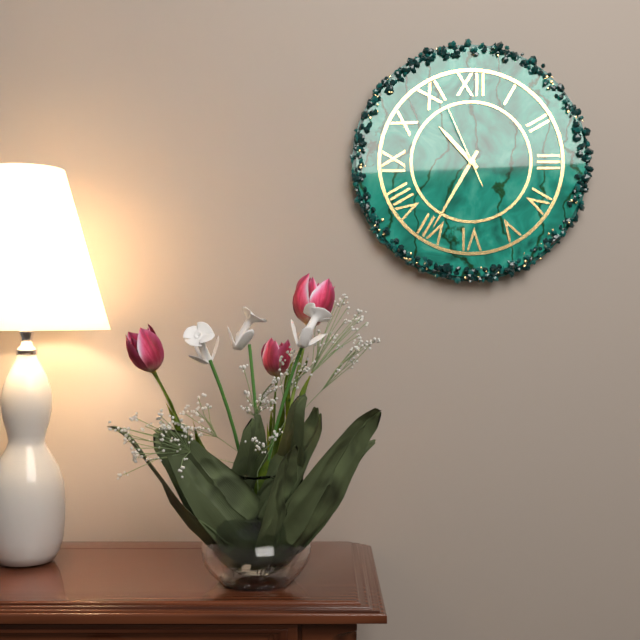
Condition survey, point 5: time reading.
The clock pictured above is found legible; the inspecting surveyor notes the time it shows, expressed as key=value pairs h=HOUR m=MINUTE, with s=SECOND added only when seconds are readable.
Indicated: h=10 m=35 s=56
